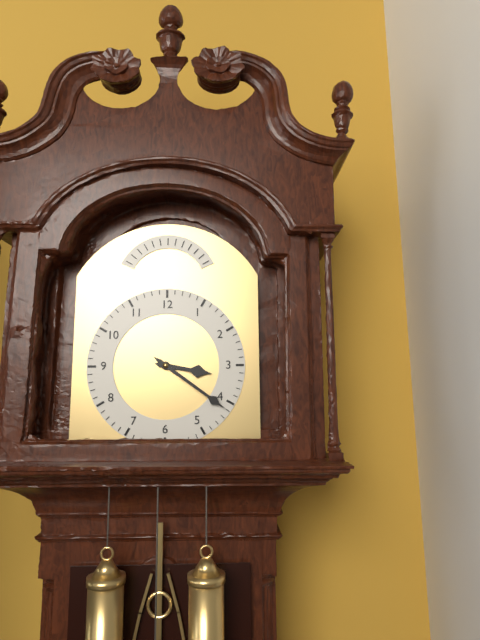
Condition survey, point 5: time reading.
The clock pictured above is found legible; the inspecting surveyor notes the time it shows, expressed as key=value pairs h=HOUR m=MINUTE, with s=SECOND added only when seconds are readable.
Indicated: h=3 m=21
